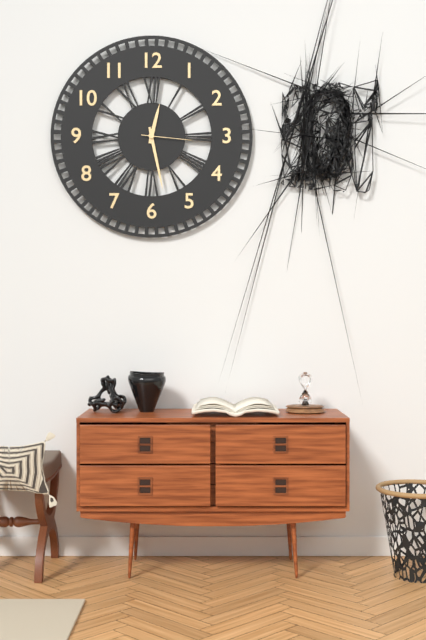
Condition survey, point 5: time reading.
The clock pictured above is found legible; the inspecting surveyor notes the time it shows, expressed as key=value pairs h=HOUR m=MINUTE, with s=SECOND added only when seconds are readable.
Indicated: h=12 m=28 s=16
